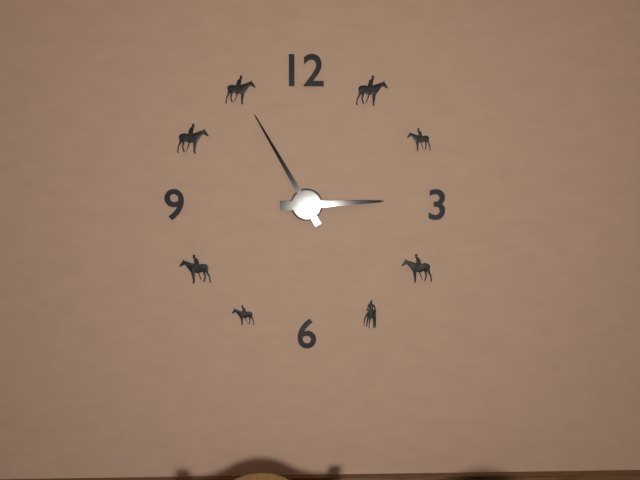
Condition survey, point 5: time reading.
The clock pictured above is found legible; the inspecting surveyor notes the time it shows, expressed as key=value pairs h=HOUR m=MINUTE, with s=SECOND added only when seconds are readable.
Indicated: h=2 m=55
